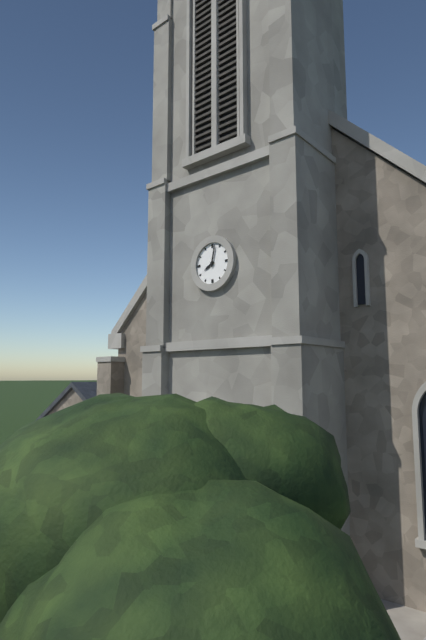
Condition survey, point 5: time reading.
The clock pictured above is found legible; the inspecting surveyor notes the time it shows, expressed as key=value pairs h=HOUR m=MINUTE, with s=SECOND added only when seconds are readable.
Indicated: h=8 m=2
